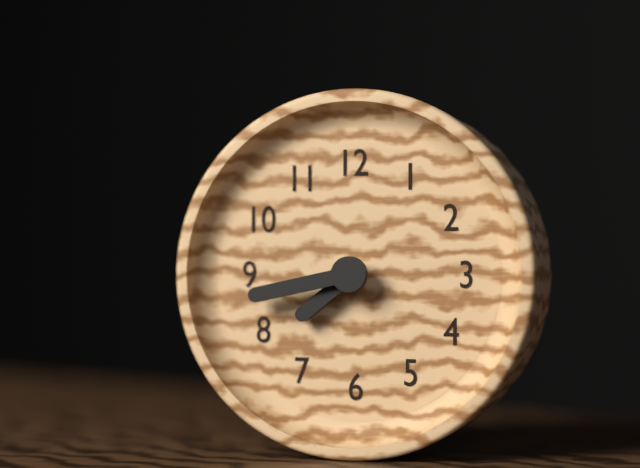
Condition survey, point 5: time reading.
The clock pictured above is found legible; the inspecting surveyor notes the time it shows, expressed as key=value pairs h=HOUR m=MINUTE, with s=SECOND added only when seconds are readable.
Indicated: h=7 m=43
